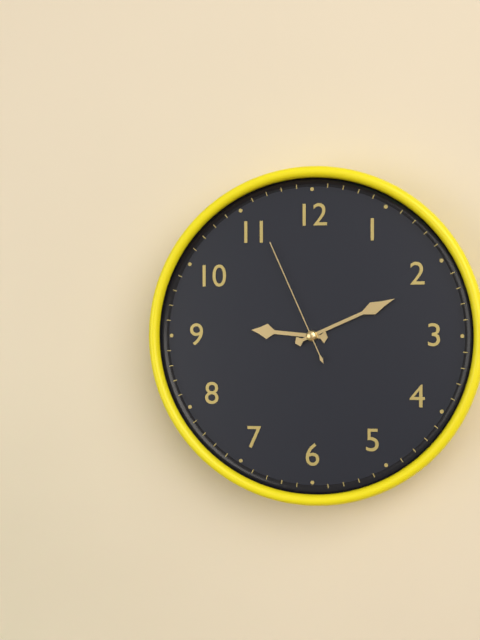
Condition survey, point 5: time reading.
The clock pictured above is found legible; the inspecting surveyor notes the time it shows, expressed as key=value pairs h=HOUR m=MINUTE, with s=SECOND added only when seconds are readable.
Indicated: h=9 m=11 s=56
